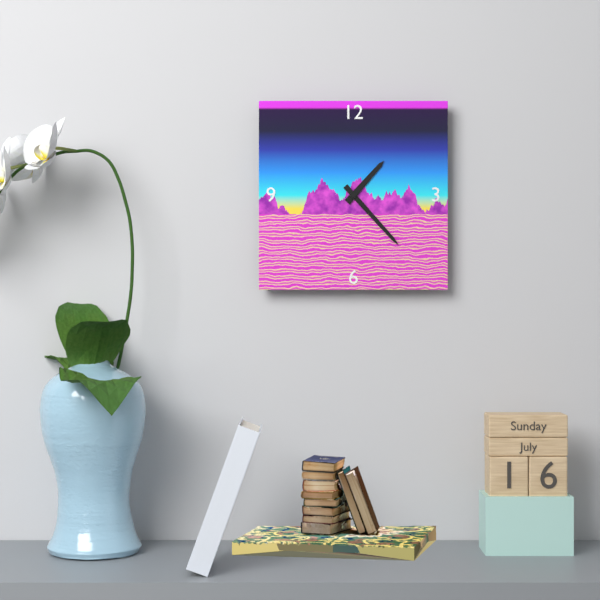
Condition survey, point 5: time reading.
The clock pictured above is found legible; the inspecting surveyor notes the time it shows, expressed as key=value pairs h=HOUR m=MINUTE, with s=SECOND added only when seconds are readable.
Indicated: h=1 m=23
